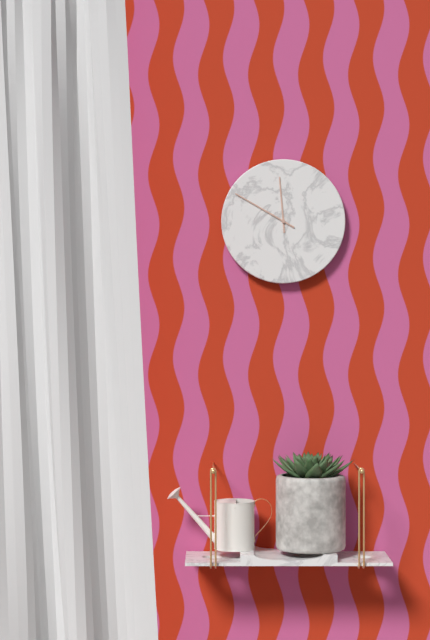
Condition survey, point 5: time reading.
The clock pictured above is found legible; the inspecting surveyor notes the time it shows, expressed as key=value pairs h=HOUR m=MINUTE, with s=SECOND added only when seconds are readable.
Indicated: h=11 m=50
